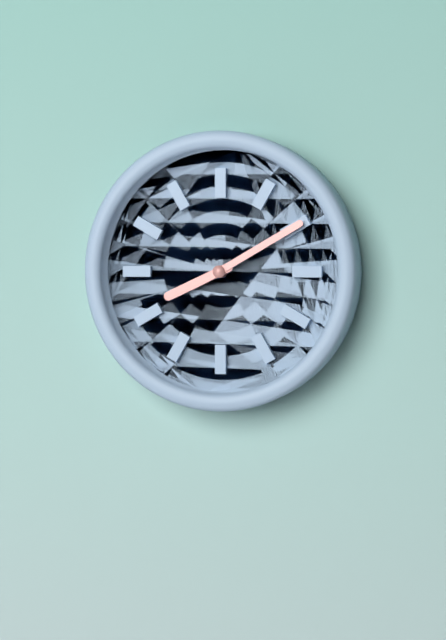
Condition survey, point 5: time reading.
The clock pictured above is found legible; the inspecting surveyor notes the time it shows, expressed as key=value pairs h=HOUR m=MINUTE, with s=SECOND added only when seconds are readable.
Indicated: h=8 m=10
